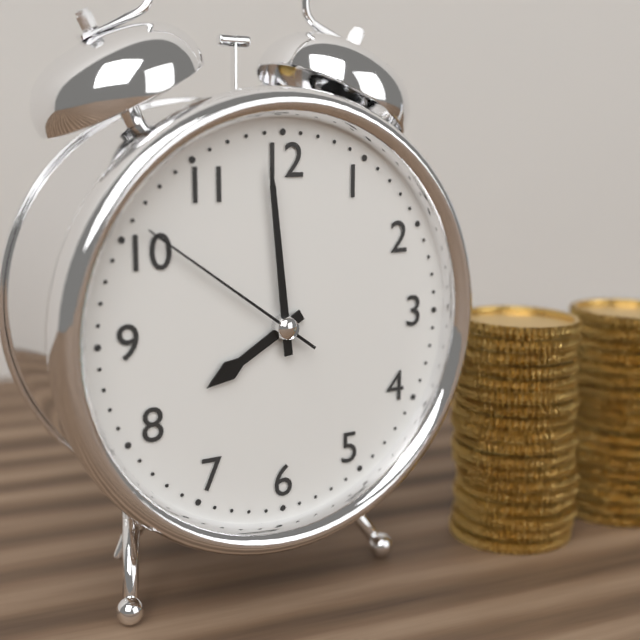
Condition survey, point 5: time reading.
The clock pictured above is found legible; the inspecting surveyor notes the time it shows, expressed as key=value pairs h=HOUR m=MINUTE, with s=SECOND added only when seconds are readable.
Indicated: h=7 m=59 s=51
